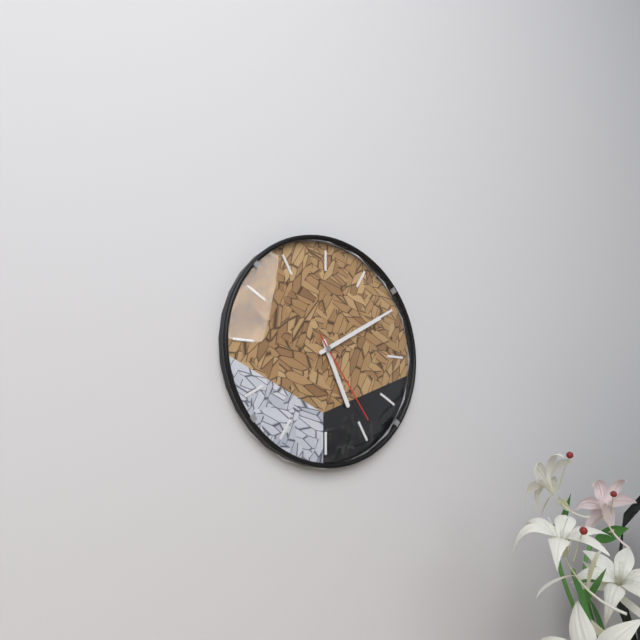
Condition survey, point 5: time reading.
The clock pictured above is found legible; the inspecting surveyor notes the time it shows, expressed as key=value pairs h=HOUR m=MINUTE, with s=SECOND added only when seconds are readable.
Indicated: h=5 m=10 s=24
